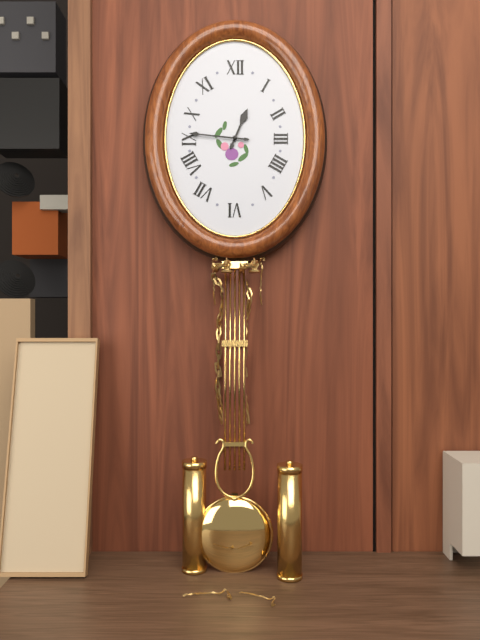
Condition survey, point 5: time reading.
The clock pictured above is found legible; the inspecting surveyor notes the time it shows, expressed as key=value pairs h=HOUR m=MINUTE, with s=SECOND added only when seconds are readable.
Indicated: h=12 m=46
